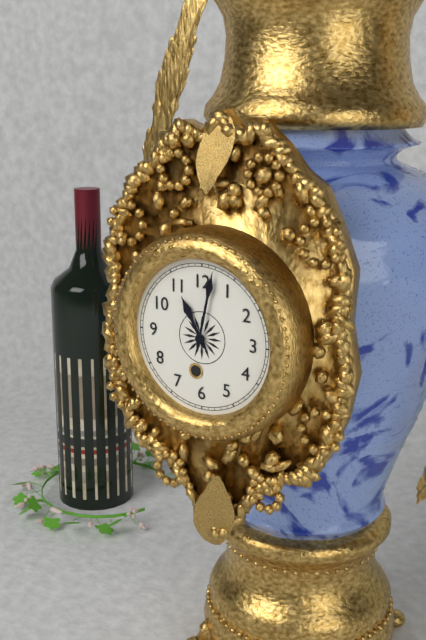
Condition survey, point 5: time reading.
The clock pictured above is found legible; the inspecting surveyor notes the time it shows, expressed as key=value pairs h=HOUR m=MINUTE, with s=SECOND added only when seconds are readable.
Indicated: h=11 m=2
